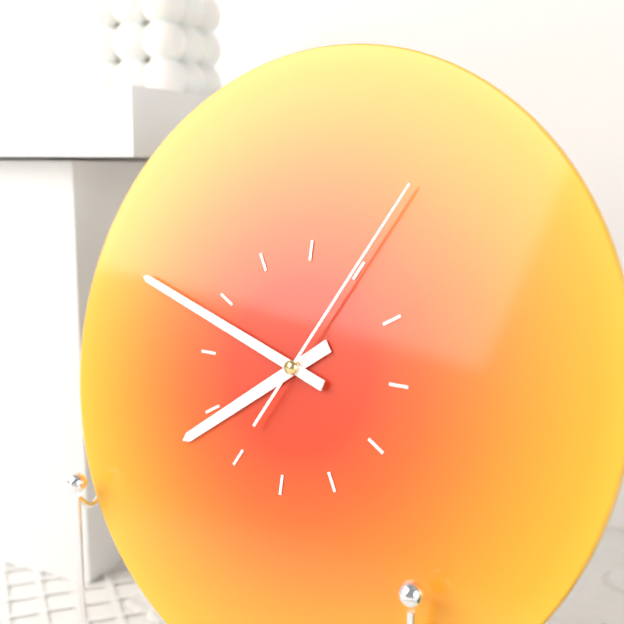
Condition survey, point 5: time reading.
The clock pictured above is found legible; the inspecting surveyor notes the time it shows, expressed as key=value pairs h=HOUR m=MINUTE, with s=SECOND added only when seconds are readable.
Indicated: h=7 m=48 s=5
